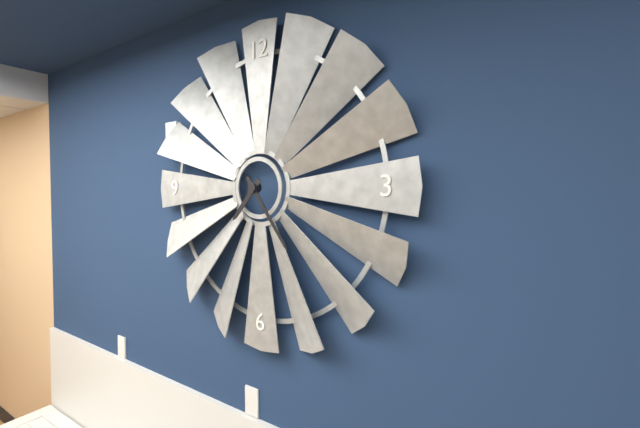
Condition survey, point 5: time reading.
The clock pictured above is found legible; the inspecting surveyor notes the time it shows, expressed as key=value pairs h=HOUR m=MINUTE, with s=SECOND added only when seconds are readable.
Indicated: h=7 m=24
